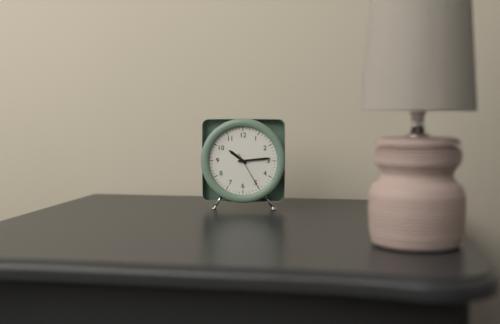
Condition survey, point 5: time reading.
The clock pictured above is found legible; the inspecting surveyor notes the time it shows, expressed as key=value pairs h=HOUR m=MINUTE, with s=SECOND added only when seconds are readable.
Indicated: h=10 m=14
